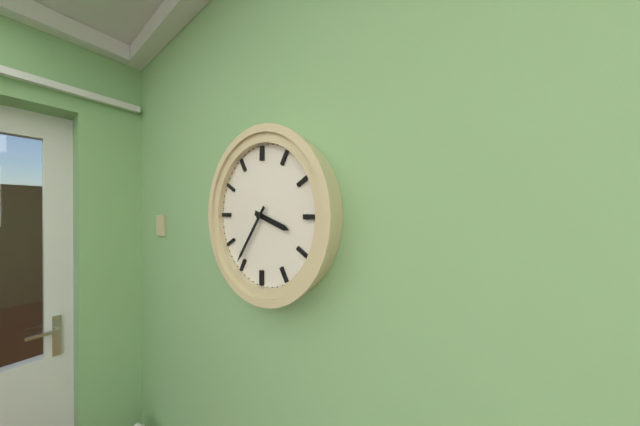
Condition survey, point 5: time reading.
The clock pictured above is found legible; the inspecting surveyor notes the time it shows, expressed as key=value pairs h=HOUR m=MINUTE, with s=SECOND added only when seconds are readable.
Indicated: h=3 m=36
